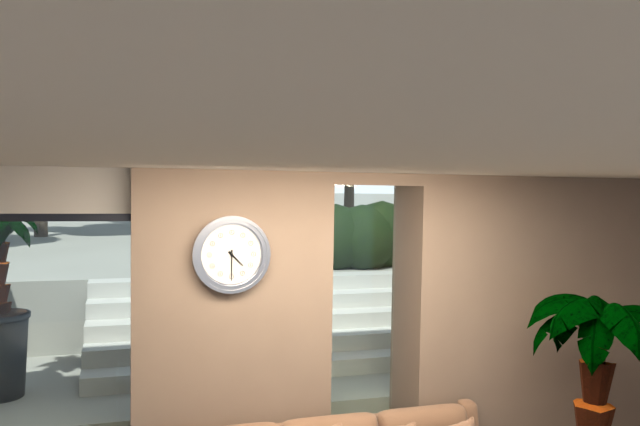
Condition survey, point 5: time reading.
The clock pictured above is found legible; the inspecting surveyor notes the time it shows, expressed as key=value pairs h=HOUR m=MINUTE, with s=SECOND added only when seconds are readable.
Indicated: h=4 m=30
